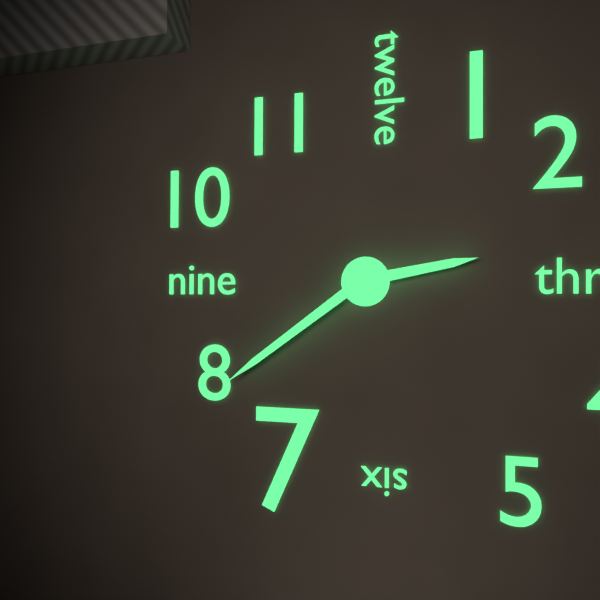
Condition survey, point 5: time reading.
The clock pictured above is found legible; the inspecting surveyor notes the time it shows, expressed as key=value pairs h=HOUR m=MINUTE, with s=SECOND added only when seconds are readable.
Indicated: h=2 m=39
